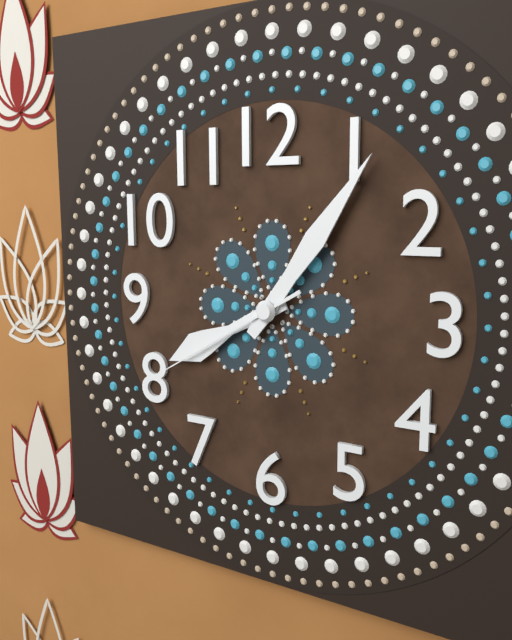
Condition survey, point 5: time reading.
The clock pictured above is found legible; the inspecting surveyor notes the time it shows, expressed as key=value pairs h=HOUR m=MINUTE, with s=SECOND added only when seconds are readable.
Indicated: h=8 m=6 s=40
